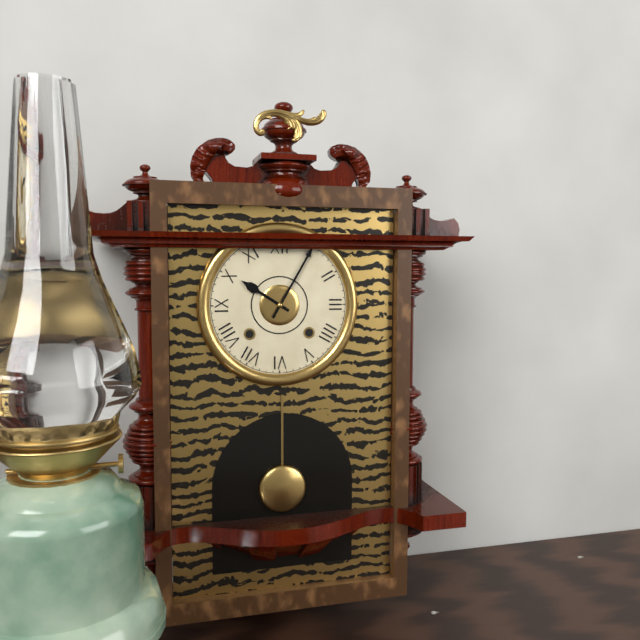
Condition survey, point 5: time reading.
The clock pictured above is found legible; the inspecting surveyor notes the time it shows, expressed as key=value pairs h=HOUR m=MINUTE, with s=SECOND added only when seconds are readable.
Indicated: h=10 m=5
